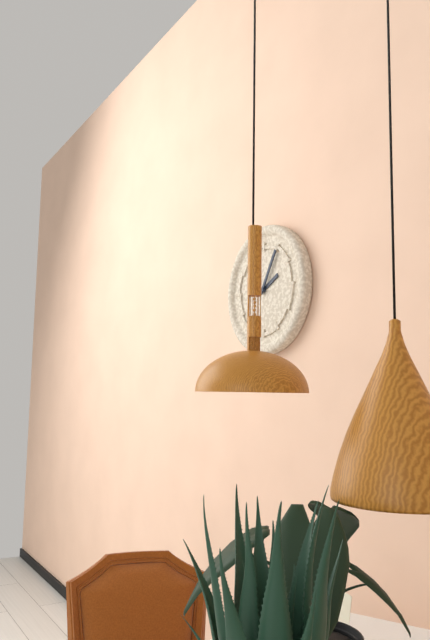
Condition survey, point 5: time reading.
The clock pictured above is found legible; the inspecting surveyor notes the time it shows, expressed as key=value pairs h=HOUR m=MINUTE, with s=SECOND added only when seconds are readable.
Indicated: h=2 m=5
